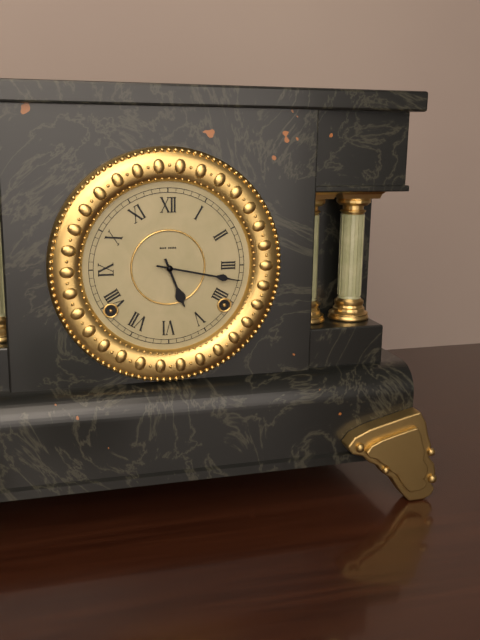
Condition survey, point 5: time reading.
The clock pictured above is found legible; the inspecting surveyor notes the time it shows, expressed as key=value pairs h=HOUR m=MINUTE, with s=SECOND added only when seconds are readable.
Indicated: h=5 m=17
